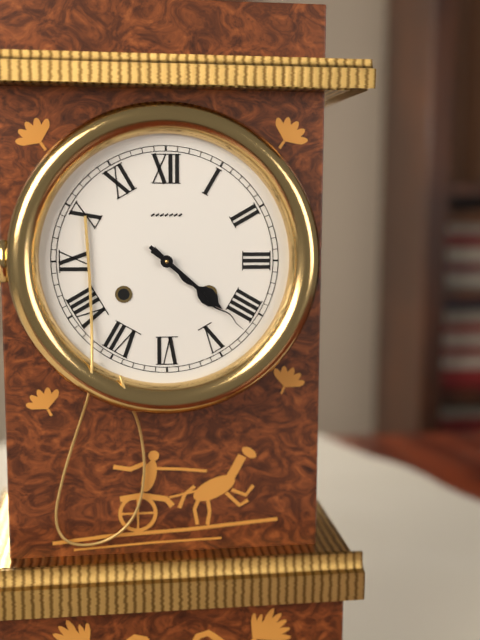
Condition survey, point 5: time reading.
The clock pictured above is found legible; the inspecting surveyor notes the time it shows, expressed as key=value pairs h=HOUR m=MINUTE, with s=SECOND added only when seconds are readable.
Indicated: h=4 m=22
